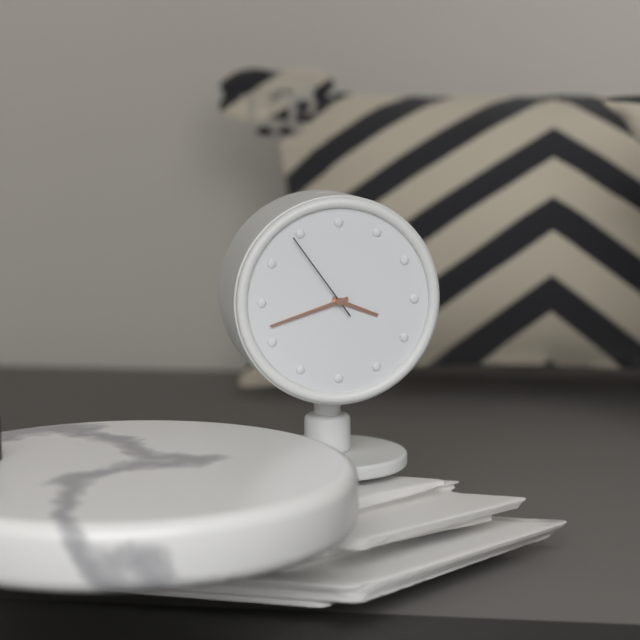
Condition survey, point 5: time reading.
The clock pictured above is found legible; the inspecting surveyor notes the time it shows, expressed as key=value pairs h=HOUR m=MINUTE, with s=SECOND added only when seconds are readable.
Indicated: h=3 m=42 s=54
